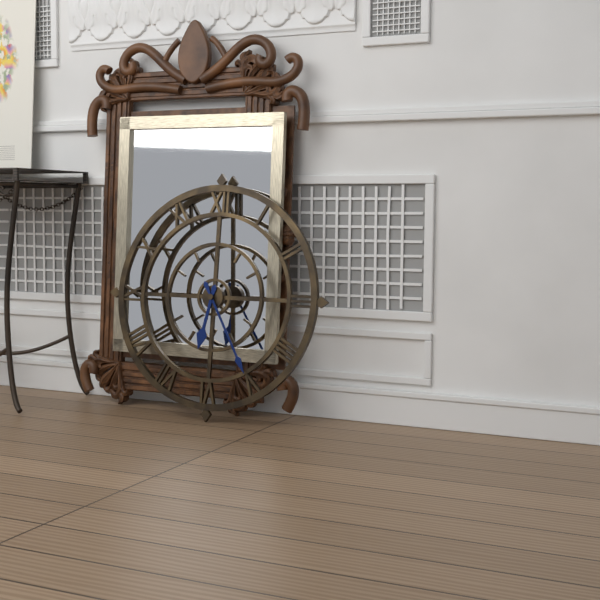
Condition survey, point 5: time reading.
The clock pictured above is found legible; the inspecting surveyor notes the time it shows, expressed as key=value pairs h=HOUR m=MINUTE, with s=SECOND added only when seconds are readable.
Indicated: h=6 m=25
